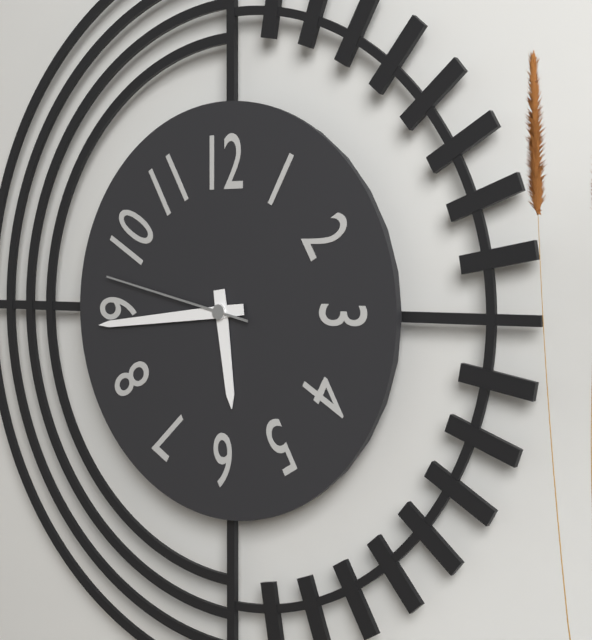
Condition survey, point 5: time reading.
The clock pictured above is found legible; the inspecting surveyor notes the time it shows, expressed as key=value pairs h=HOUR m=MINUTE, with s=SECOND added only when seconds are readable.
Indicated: h=5 m=44 s=47
